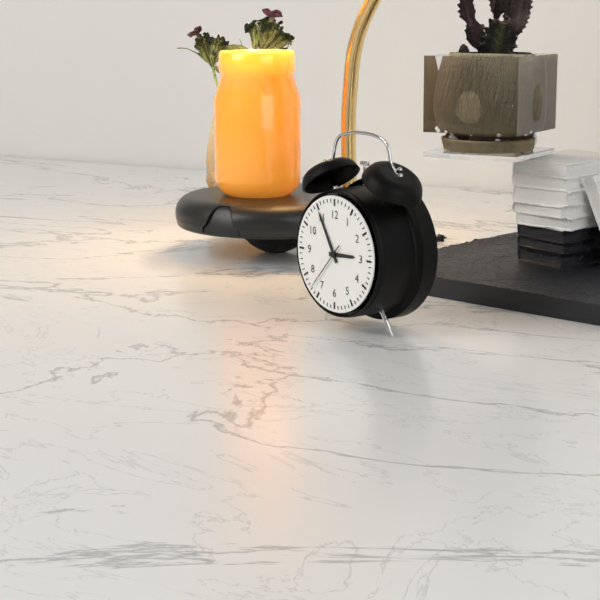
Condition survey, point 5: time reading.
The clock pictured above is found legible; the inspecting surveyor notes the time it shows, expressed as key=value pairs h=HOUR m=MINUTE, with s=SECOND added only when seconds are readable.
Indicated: h=2 m=55 s=37
